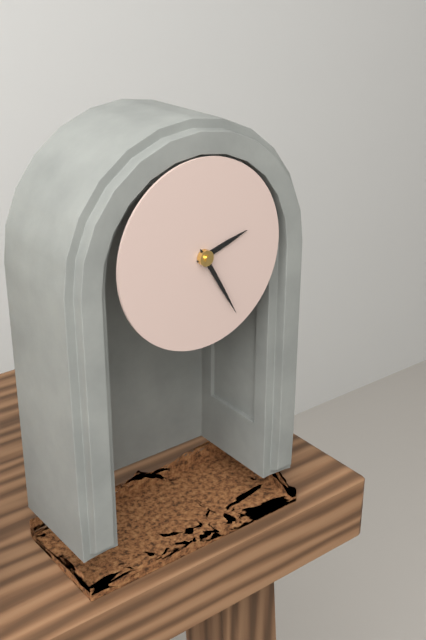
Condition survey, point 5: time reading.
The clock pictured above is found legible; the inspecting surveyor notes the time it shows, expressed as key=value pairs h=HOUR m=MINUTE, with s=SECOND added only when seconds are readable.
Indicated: h=2 m=25
